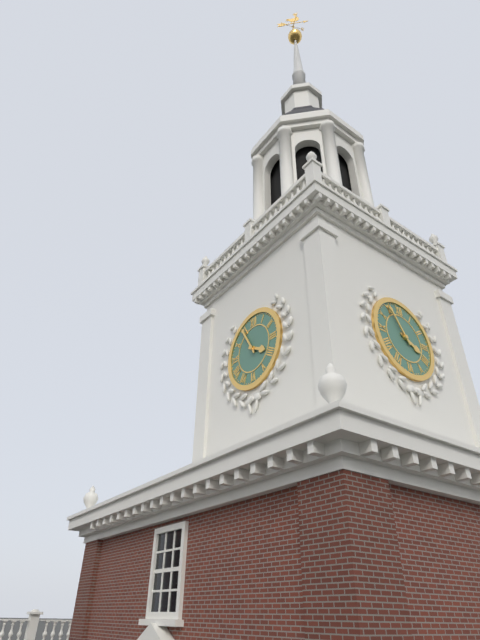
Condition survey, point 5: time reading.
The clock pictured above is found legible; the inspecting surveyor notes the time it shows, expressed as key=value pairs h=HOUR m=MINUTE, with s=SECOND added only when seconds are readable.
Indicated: h=3 m=55
